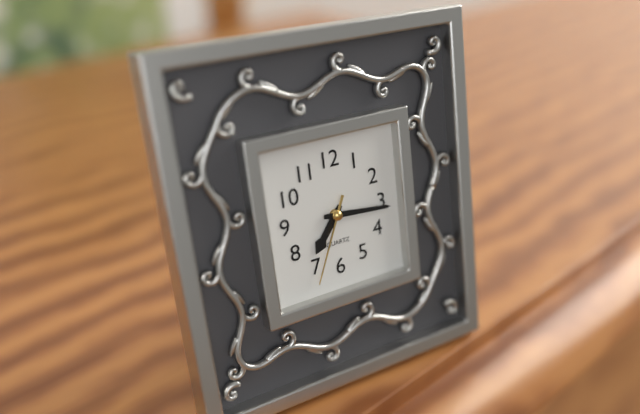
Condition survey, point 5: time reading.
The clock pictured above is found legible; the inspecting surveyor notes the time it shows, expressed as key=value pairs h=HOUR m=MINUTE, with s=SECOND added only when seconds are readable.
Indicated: h=7 m=16 s=34
